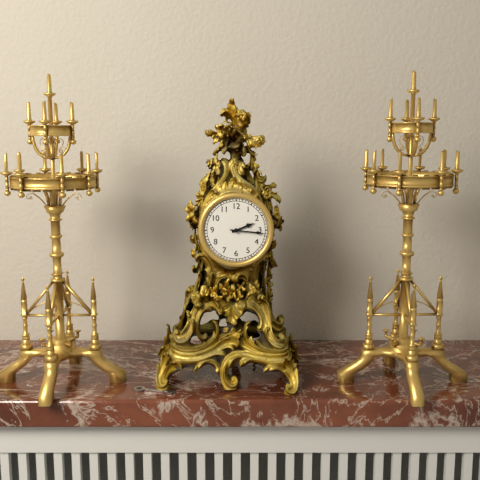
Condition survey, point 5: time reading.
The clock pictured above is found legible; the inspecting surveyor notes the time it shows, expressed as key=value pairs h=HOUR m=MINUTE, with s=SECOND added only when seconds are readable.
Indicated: h=2 m=16
